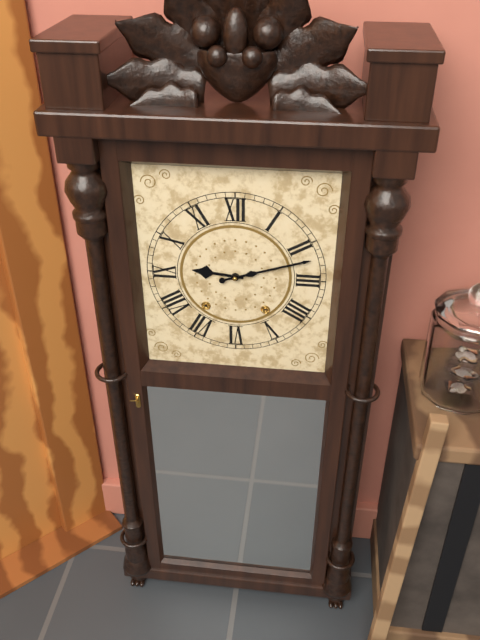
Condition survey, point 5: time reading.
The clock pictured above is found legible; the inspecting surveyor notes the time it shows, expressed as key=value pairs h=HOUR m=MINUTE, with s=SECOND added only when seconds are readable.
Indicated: h=9 m=12
